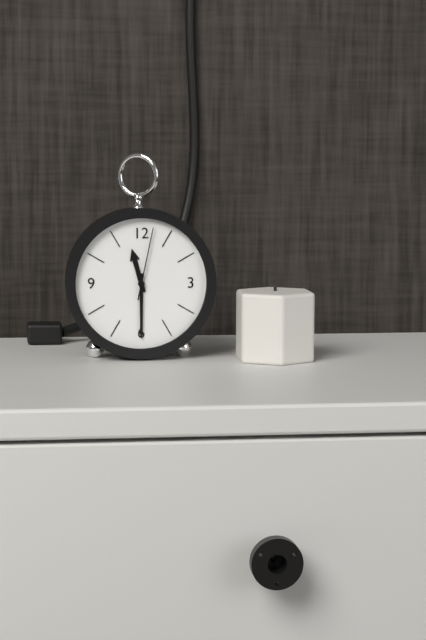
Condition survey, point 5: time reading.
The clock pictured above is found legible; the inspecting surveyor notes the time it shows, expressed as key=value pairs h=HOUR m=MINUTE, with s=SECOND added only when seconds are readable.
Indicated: h=11 m=30 s=2
